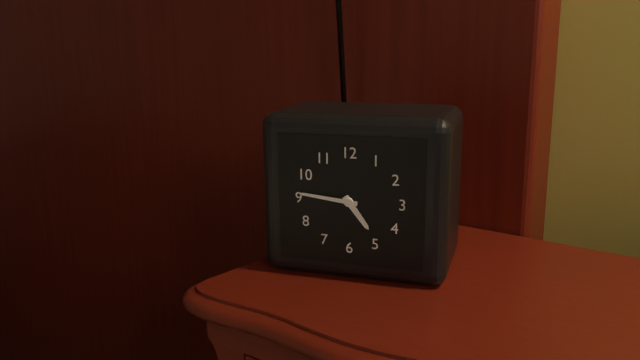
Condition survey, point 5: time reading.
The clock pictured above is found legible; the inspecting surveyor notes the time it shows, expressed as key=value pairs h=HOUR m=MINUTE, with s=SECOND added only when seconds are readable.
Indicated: h=4 m=46
